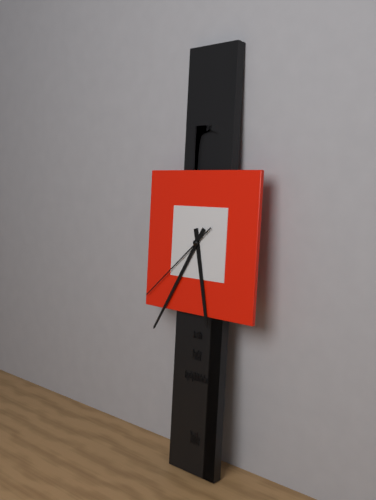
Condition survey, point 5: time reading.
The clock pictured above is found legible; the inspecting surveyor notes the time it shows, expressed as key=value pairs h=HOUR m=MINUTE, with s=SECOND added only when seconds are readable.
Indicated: h=5 m=35 s=38
